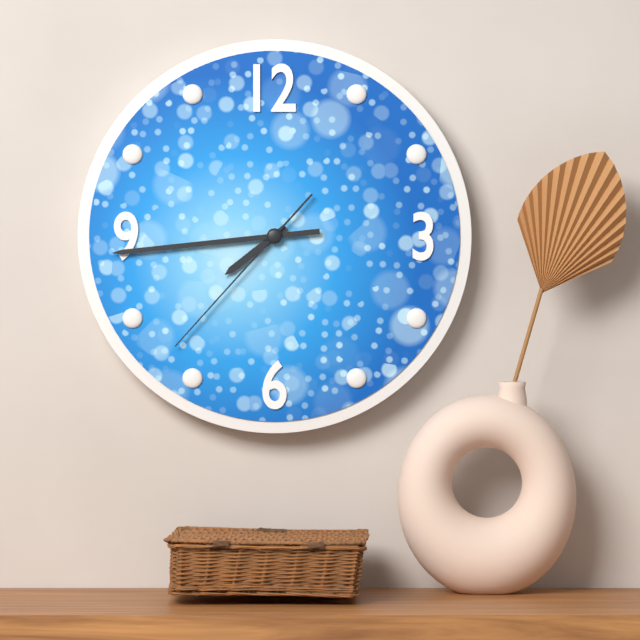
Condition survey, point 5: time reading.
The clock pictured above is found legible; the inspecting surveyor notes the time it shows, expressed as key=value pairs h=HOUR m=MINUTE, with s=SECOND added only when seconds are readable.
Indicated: h=7 m=44 s=37
